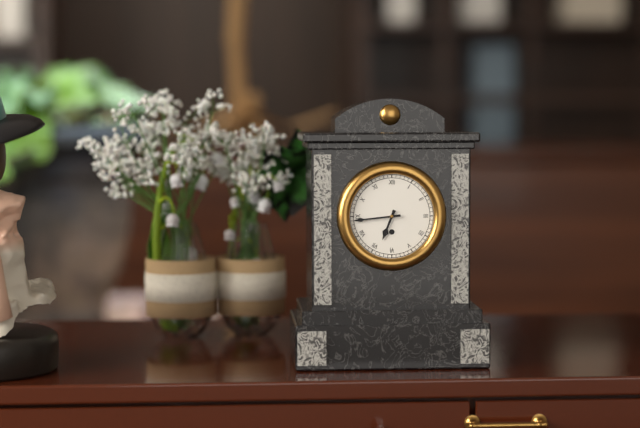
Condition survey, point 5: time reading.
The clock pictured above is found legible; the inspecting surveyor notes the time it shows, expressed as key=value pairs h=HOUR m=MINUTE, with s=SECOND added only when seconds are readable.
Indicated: h=6 m=44
